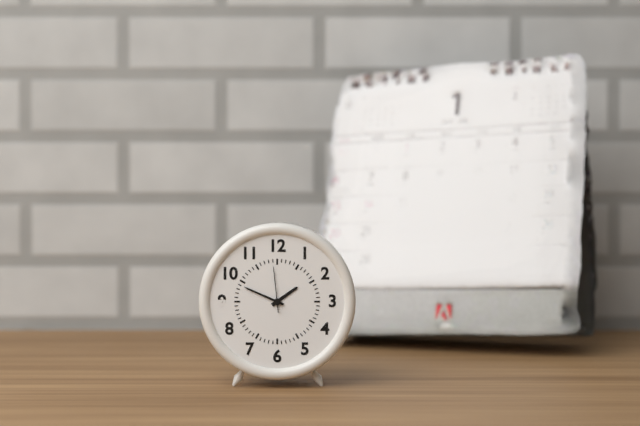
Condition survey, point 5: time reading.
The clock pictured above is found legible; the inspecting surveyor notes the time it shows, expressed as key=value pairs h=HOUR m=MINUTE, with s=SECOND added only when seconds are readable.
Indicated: h=1 m=49
